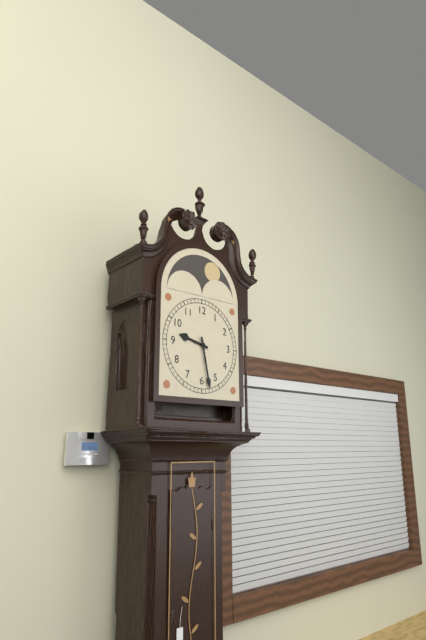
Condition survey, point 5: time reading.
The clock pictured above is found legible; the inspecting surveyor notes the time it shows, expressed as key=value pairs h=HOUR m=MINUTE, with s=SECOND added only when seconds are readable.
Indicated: h=9 m=28
